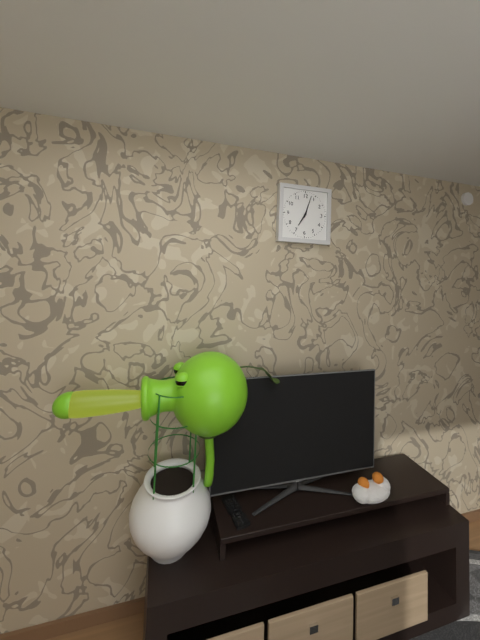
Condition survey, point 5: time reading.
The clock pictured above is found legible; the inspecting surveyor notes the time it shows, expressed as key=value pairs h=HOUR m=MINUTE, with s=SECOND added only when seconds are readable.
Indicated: h=7 m=3
